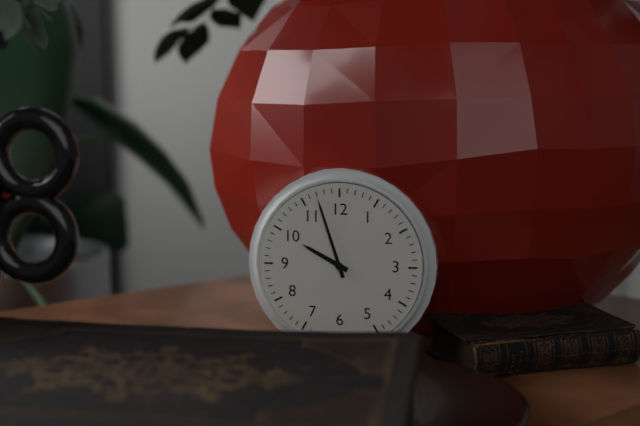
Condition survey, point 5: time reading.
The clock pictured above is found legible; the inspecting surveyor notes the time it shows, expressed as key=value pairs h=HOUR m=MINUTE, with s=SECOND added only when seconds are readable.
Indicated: h=9 m=57
